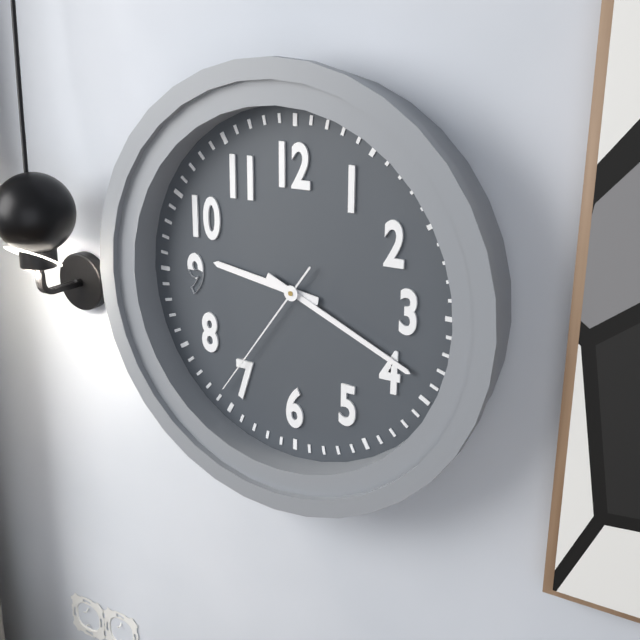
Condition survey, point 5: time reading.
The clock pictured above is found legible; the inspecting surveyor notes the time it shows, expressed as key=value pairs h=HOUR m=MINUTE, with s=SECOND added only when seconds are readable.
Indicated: h=9 m=19 s=36
